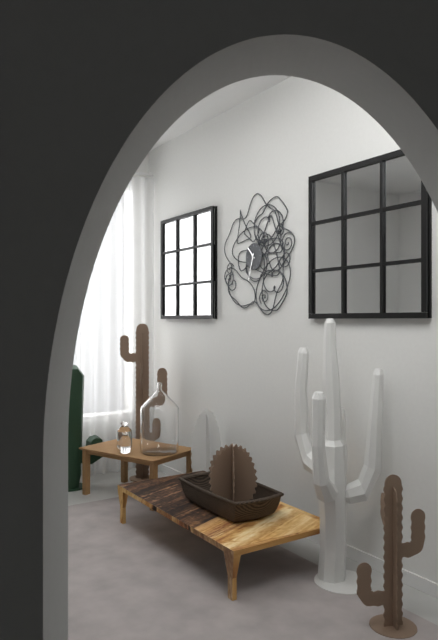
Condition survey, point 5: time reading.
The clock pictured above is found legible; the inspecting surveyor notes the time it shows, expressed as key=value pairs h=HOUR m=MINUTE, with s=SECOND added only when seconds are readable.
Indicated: h=10 m=33
